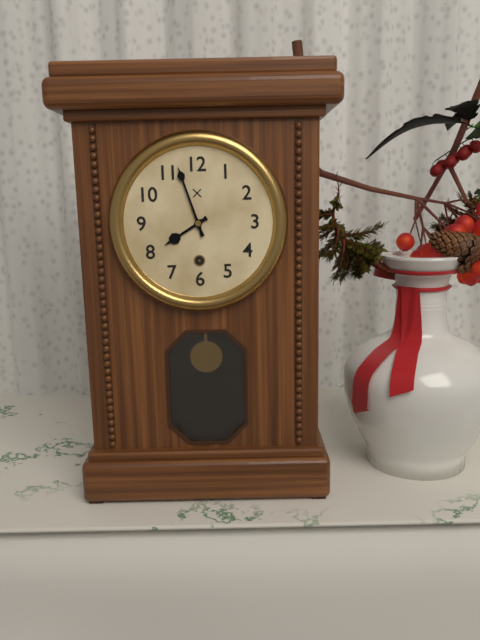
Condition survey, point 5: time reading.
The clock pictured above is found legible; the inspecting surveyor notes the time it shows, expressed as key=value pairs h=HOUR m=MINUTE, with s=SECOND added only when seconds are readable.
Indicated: h=7 m=57
